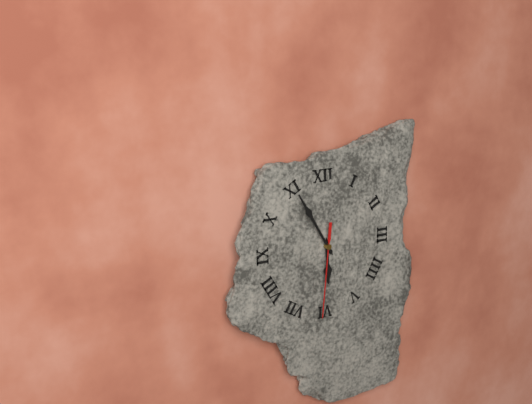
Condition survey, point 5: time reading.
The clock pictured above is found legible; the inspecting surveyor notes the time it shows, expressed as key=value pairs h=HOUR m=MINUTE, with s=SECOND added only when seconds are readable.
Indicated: h=5 m=55 s=31
